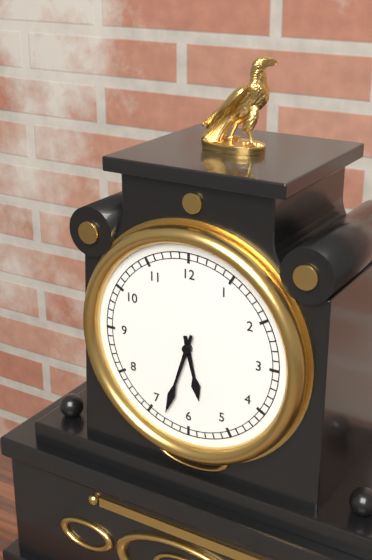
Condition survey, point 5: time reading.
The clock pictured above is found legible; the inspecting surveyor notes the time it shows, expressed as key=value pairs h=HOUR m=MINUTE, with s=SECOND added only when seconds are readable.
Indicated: h=5 m=33
